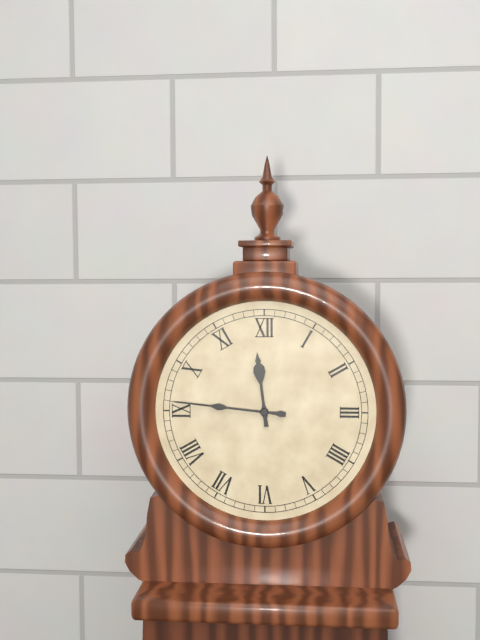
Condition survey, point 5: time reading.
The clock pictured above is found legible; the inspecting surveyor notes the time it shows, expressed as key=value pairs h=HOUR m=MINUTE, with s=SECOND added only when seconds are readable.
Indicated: h=11 m=46
